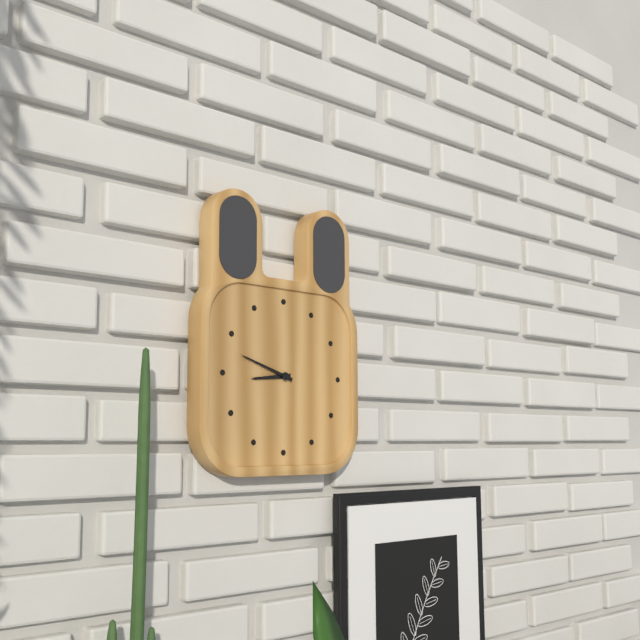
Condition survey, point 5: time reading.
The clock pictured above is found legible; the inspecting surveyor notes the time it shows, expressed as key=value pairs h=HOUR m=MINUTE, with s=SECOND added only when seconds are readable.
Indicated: h=8 m=48
